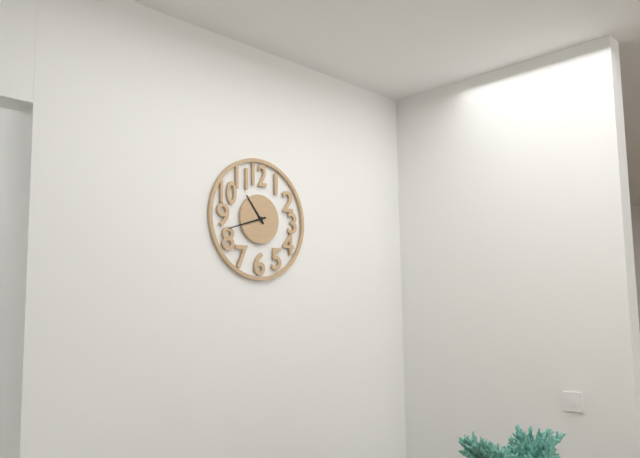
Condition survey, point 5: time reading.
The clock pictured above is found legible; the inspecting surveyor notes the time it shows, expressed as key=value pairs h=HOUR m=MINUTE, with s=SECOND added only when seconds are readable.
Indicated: h=10 m=42
